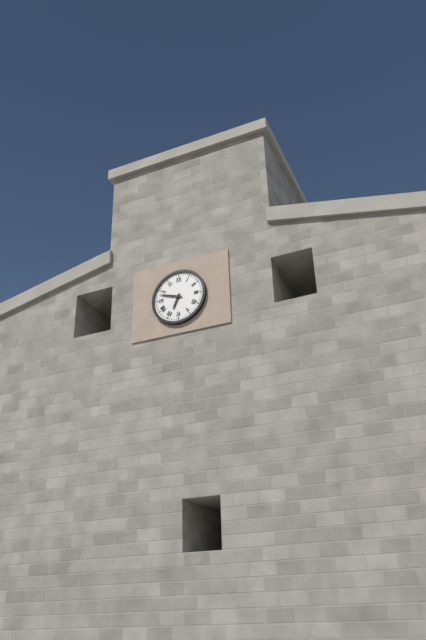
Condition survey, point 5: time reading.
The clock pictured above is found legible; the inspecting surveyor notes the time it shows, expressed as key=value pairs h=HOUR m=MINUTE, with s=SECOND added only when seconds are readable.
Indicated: h=6 m=48
